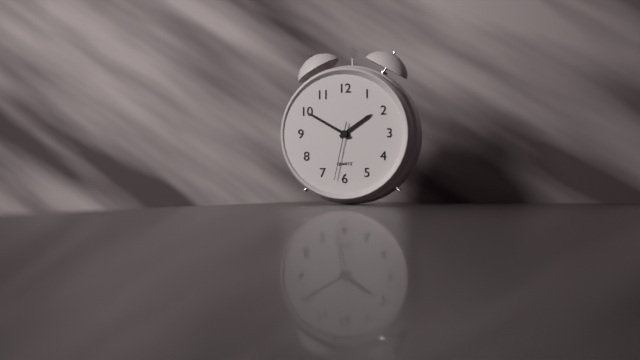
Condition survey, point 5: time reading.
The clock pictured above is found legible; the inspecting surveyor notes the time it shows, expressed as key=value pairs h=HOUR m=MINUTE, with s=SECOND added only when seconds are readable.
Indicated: h=1 m=50 s=32
